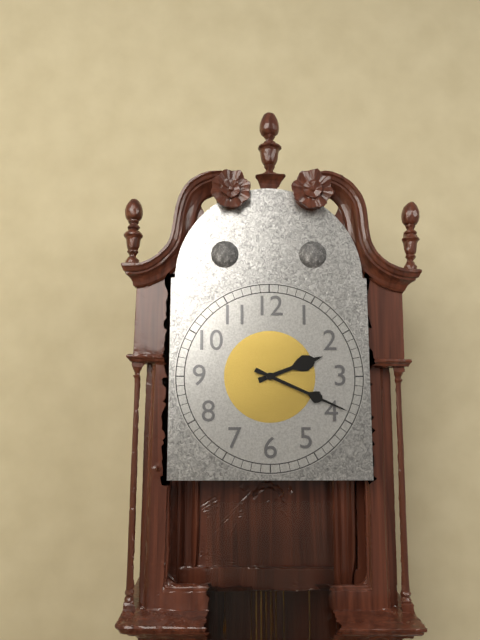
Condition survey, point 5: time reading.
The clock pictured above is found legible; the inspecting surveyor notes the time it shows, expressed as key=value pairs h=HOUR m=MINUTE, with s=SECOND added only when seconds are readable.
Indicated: h=2 m=19
